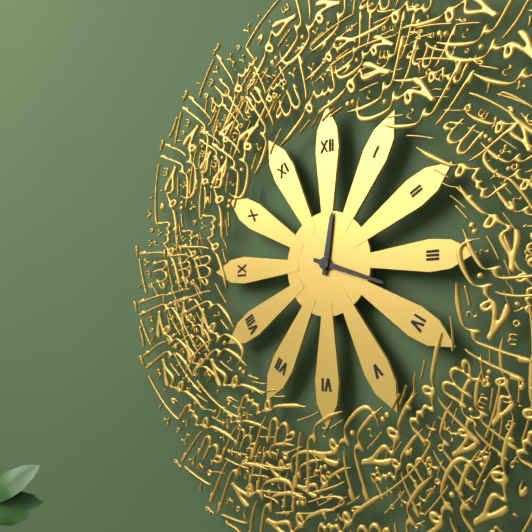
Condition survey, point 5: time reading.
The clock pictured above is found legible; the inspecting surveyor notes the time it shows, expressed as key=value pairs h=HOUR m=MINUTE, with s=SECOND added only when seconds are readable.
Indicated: h=12 m=18
